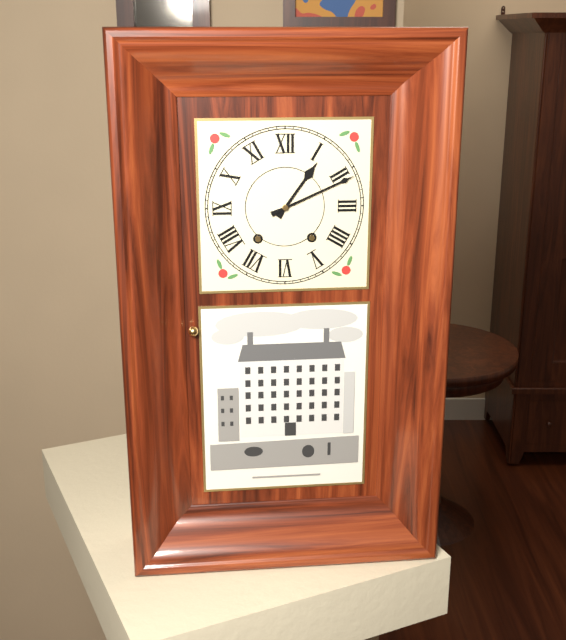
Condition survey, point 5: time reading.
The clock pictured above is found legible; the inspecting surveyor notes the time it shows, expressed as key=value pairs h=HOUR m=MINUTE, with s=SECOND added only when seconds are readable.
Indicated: h=1 m=11
